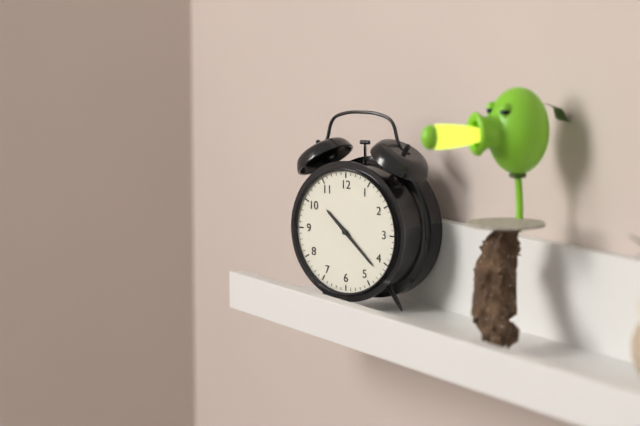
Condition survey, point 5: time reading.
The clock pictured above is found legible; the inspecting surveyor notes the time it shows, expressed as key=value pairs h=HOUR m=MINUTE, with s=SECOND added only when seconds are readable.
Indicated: h=10 m=22
